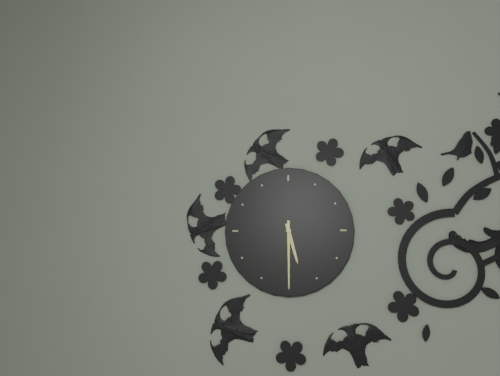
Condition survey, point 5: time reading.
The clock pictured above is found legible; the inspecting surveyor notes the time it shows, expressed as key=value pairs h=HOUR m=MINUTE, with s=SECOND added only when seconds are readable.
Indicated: h=5 m=30
